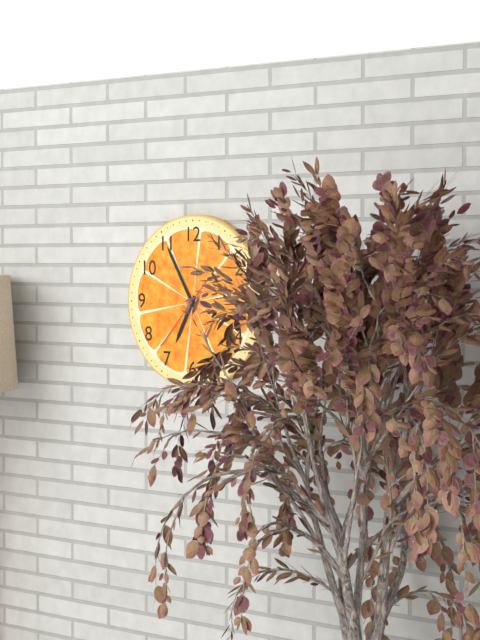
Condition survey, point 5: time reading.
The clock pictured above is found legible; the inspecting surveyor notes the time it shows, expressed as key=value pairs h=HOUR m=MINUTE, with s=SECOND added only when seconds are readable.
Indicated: h=6 m=55 s=37
